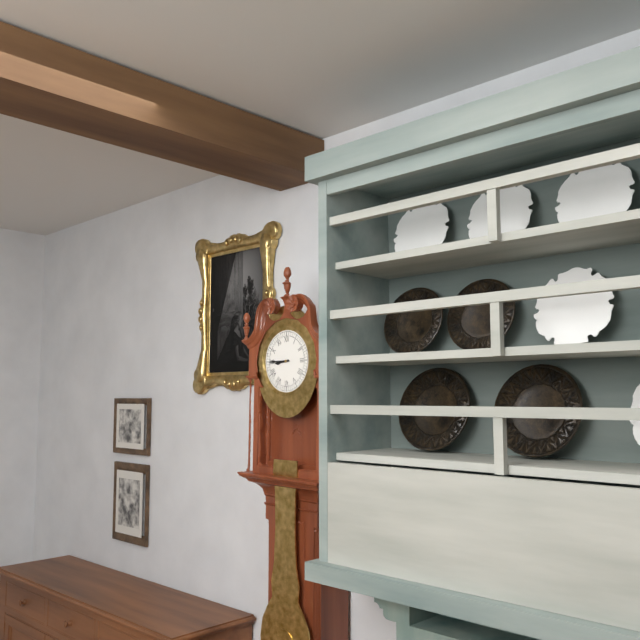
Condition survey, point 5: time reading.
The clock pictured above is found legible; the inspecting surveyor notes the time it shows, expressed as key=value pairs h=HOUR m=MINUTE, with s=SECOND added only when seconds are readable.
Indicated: h=8 m=45
